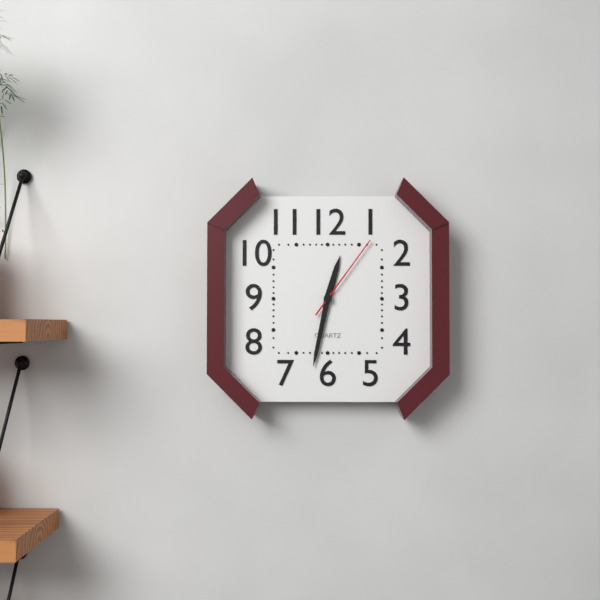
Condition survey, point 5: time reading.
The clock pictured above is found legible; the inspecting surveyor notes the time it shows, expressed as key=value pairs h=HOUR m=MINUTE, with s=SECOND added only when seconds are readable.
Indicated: h=12 m=32 s=6
